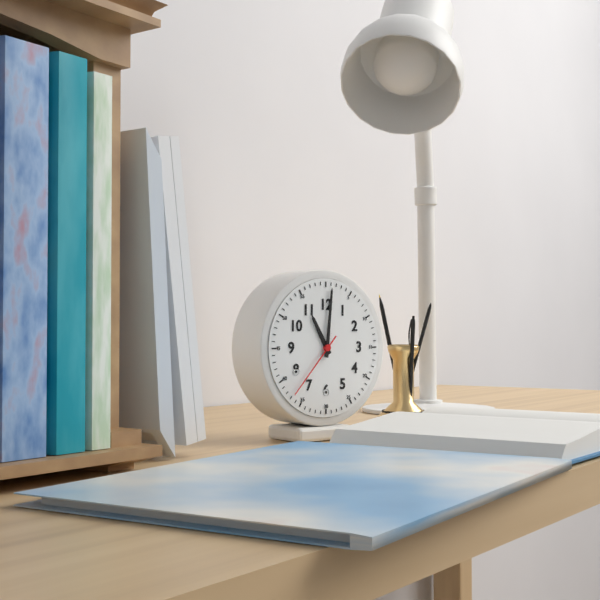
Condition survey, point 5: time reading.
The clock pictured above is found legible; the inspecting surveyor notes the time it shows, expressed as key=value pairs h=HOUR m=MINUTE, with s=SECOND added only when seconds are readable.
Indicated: h=11 m=1 s=37
